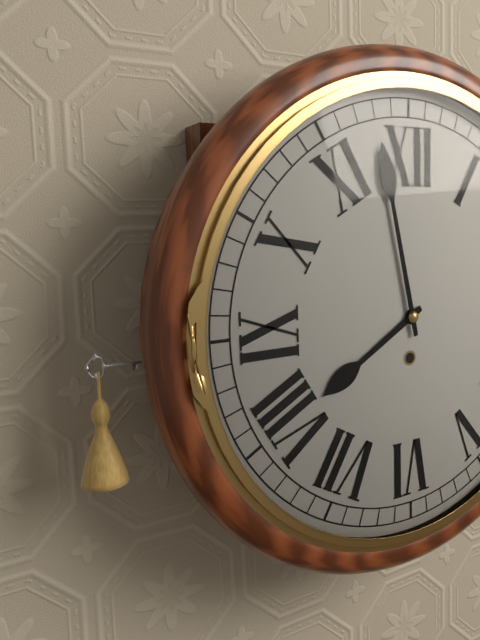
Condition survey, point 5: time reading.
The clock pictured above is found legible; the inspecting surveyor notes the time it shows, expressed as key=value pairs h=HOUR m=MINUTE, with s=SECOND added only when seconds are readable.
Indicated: h=7 m=58
